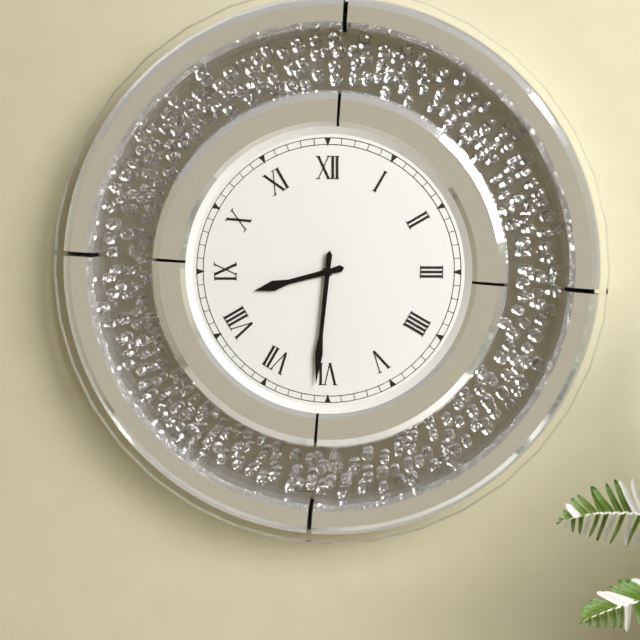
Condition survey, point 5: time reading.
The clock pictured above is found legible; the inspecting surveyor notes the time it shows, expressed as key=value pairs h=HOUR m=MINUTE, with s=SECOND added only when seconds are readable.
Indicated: h=8 m=31
